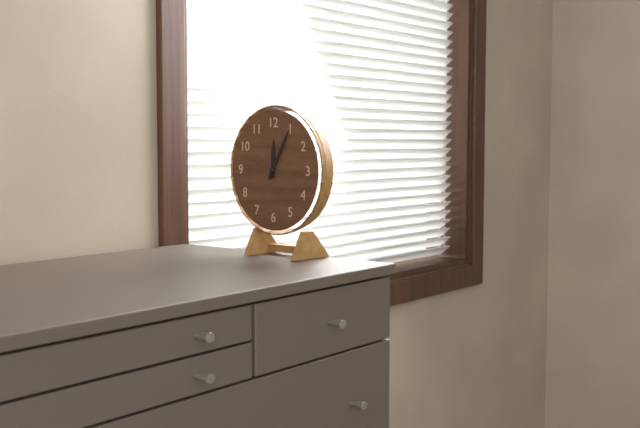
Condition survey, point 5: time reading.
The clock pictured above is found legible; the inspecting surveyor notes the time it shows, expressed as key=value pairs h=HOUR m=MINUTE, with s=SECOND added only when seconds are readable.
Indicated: h=12 m=5
